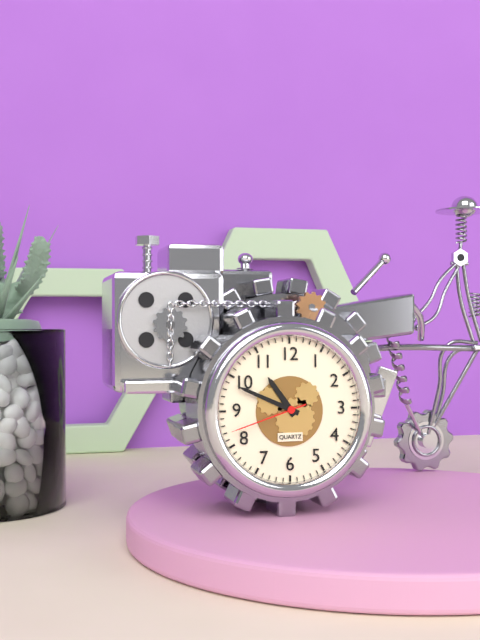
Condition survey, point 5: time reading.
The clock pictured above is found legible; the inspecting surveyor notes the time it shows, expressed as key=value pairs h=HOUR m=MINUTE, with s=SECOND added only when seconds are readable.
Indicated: h=10 m=49 s=42
